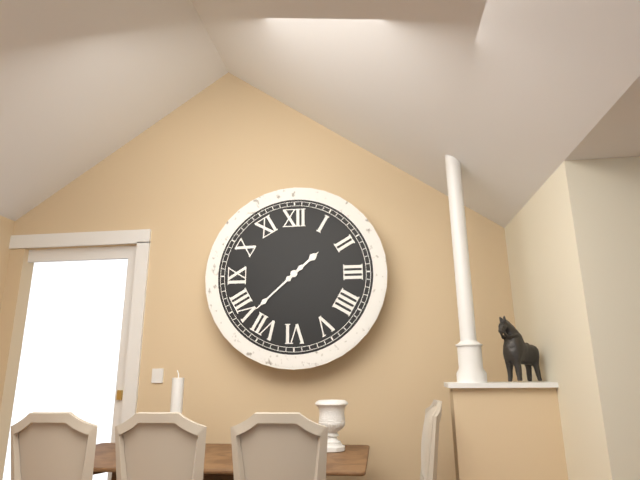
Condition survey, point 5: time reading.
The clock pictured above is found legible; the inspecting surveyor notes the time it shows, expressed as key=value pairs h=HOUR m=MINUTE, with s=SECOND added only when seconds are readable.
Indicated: h=1 m=38
